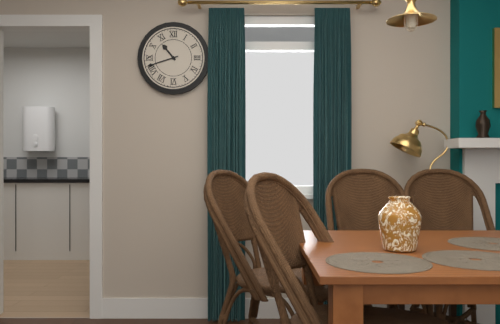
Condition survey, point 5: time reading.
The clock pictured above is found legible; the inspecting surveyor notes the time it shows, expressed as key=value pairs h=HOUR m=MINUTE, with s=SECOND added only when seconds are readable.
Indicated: h=10 m=42
